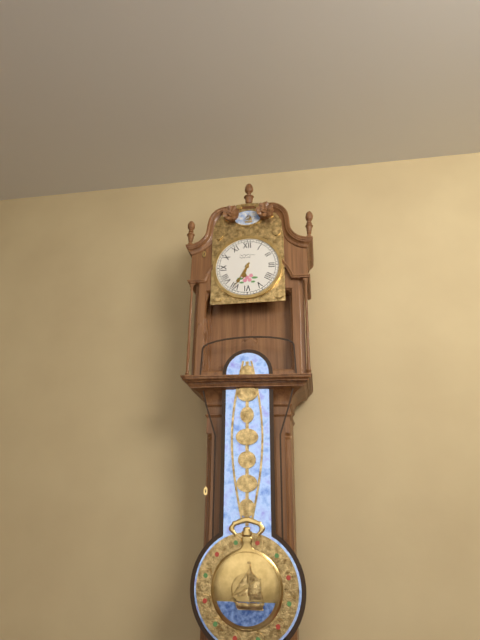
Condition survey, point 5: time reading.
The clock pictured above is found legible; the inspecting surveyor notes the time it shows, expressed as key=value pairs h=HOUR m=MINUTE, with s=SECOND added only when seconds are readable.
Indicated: h=6 m=35
